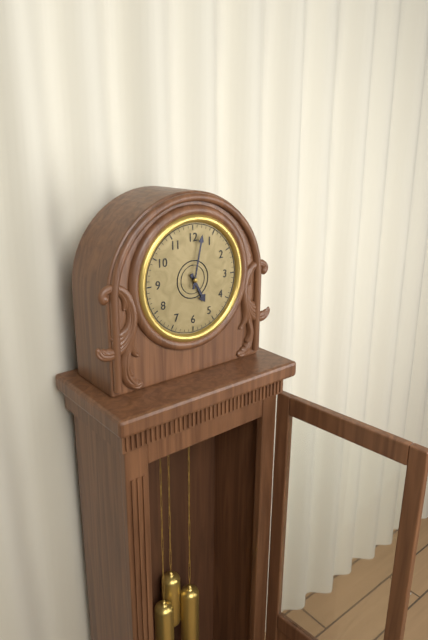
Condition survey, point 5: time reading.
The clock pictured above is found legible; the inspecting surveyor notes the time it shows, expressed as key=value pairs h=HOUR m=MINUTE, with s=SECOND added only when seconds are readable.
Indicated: h=5 m=2
